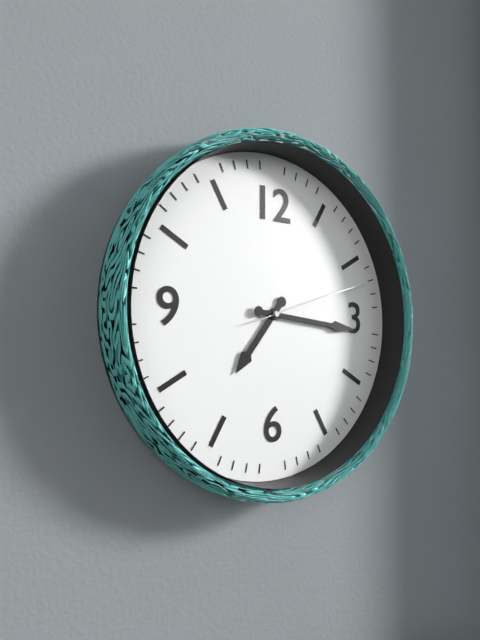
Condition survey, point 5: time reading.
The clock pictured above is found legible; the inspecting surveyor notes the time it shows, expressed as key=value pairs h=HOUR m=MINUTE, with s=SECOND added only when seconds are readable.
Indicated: h=7 m=16 s=12
